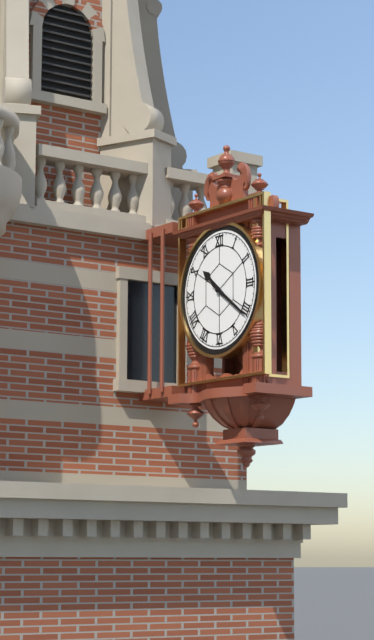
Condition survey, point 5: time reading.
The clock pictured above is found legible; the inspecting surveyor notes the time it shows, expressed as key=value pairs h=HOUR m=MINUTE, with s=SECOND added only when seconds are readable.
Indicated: h=10 m=21
